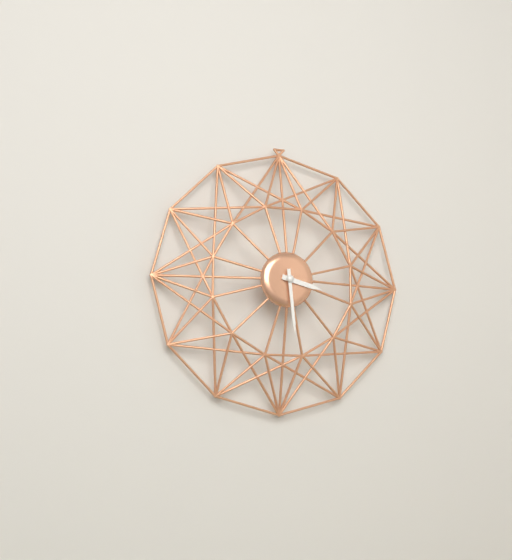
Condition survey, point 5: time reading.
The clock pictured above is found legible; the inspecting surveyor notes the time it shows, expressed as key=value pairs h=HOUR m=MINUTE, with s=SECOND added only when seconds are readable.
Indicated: h=3 m=29
